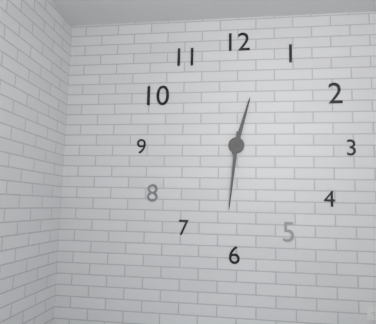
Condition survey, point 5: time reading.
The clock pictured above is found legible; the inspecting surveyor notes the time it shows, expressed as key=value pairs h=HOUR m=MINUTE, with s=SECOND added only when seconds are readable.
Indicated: h=12 m=31
